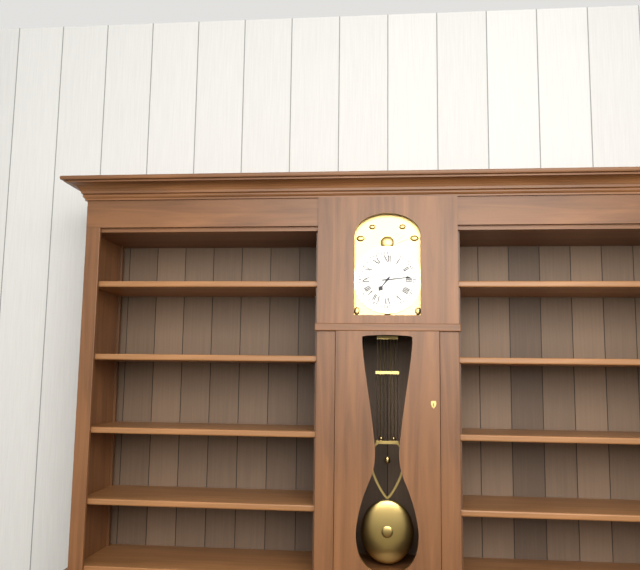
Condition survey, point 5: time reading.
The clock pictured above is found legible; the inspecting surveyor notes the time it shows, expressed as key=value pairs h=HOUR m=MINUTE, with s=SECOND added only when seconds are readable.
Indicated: h=7 m=14
